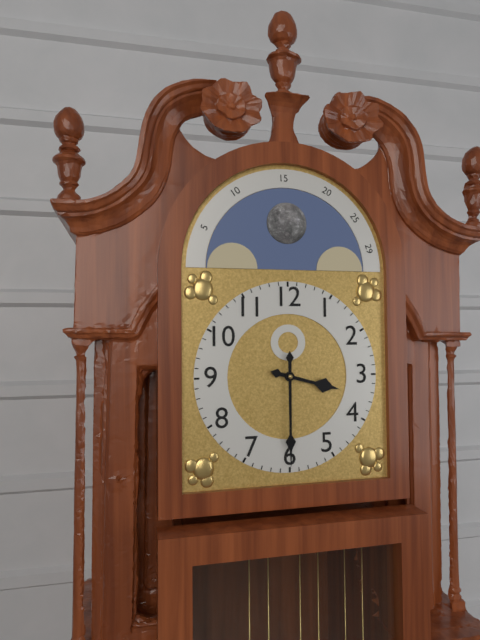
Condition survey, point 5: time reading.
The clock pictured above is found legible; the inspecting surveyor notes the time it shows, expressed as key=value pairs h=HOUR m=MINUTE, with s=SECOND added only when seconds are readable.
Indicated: h=3 m=30
